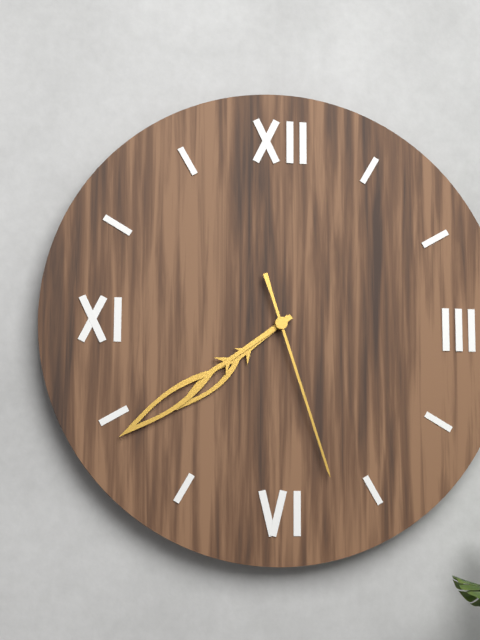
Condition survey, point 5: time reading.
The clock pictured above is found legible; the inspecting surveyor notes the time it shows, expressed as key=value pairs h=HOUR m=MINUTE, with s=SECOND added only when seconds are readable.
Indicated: h=7 m=39 s=27
